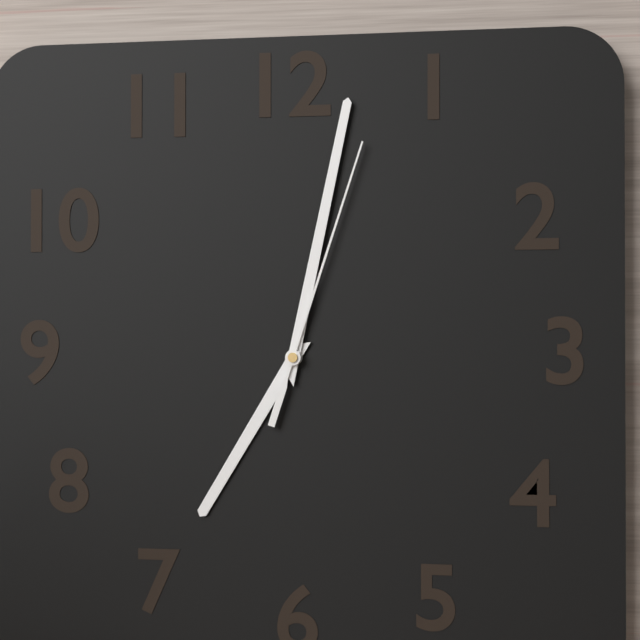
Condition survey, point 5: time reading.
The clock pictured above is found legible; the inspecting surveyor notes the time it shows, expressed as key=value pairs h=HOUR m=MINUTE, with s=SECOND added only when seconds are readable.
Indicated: h=7 m=2 s=3
